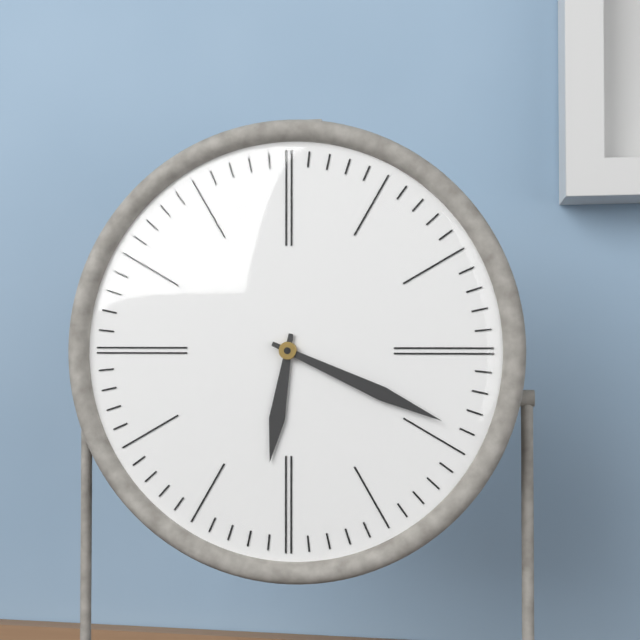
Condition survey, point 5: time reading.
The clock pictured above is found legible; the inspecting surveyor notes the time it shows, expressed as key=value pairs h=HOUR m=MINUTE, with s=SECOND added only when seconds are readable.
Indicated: h=6 m=19
